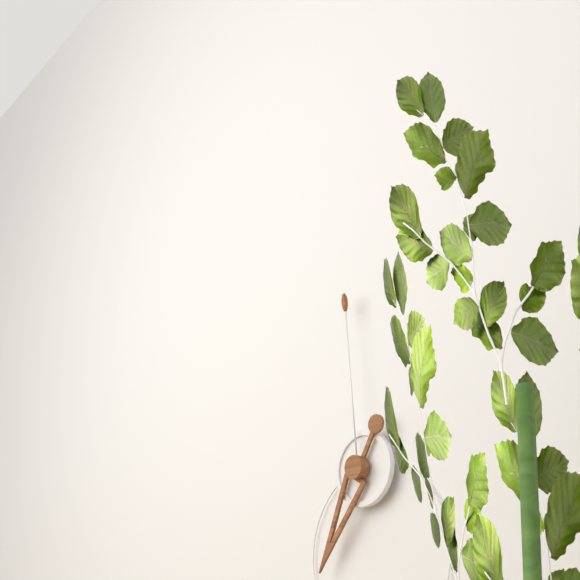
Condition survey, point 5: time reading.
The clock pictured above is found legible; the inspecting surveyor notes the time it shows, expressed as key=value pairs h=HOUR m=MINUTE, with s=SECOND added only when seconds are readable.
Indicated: h=6 m=59
